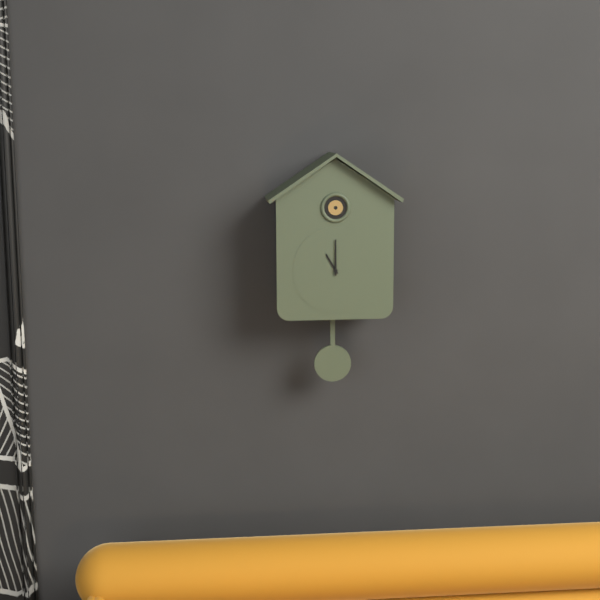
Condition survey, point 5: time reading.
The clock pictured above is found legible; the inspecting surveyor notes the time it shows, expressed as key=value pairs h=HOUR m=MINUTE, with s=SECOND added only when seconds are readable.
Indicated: h=11 m=0
